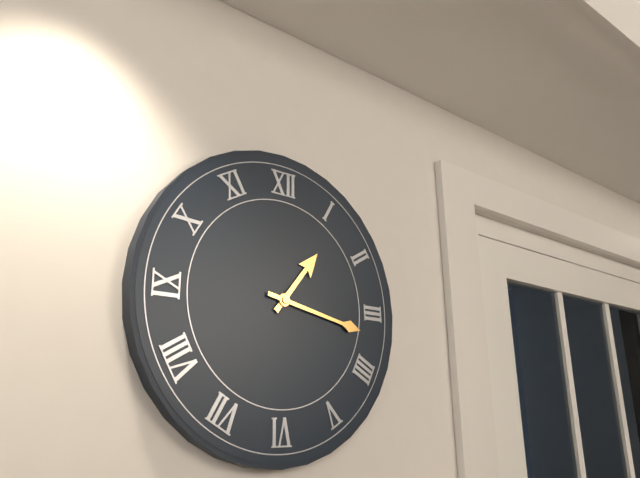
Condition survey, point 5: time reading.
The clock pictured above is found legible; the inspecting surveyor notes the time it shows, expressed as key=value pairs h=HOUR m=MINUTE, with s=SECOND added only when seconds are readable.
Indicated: h=1 m=17
